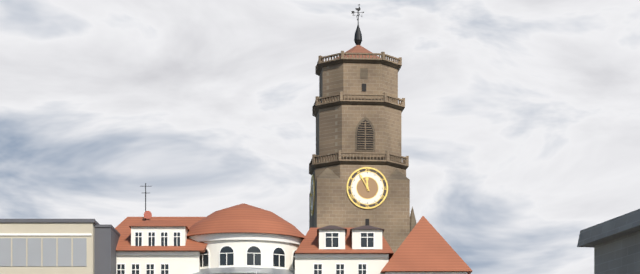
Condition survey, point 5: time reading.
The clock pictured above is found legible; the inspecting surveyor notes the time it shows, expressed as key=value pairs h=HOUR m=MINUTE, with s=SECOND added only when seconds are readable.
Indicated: h=11 m=55
